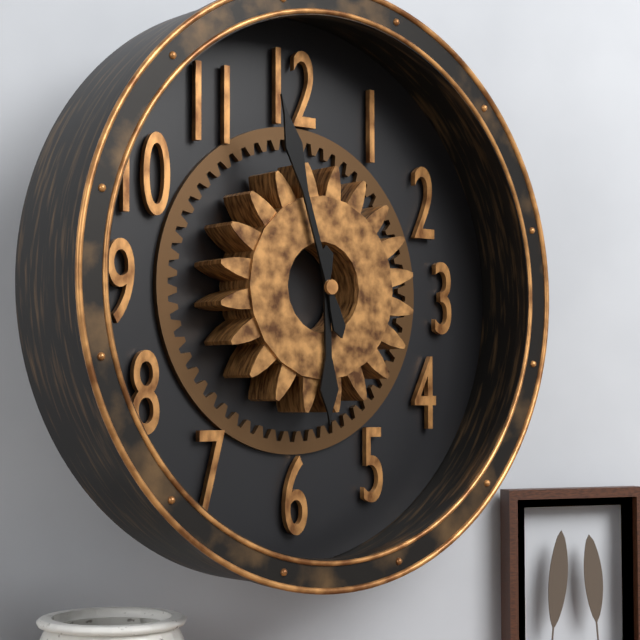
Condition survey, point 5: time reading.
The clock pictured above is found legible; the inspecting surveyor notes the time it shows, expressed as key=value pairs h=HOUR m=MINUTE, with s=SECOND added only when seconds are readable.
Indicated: h=5 m=57
